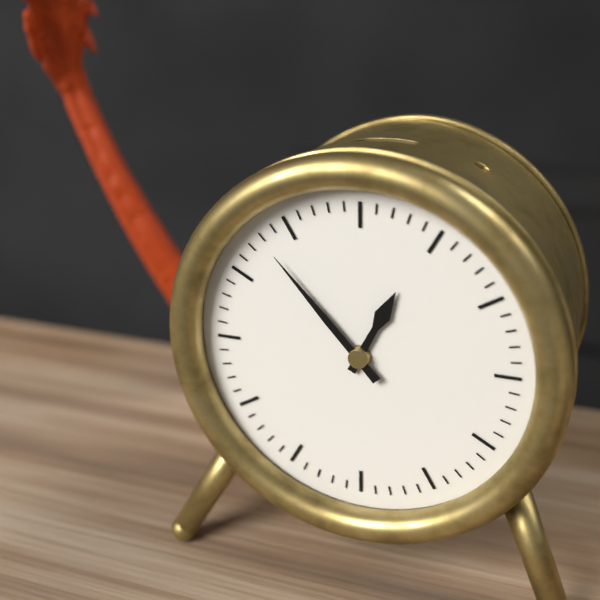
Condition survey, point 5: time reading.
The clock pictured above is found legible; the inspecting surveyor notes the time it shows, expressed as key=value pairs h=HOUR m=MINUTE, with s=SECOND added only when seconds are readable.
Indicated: h=12 m=53
